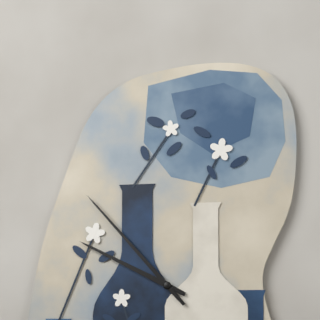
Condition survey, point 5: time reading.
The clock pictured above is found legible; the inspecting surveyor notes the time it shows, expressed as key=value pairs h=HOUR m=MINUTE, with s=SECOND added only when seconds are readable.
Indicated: h=9 m=53
